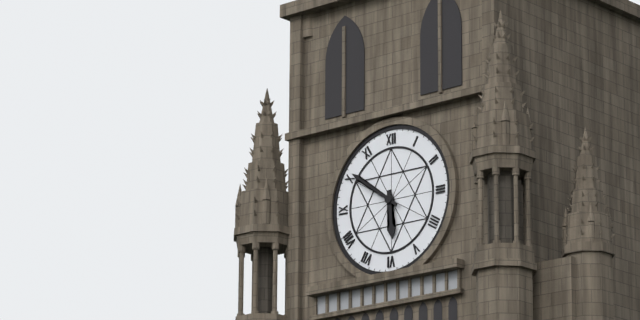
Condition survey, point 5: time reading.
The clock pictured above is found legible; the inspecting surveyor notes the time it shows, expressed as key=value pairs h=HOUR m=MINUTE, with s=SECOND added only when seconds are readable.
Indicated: h=5 m=51
